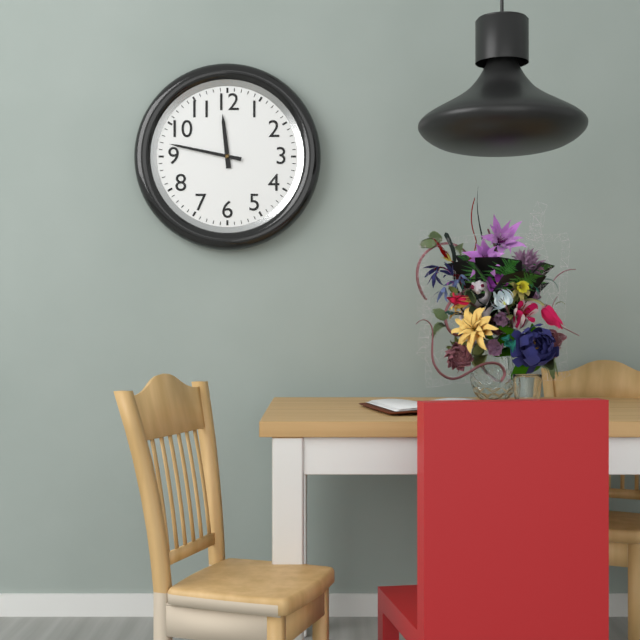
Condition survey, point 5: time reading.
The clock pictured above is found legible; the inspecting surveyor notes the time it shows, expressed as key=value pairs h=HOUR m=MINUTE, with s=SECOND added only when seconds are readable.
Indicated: h=11 m=47
